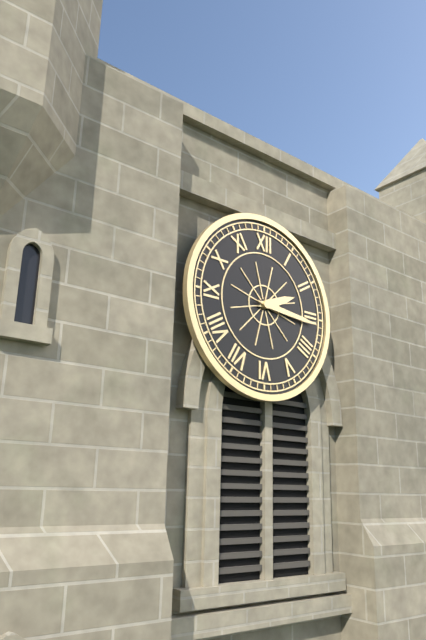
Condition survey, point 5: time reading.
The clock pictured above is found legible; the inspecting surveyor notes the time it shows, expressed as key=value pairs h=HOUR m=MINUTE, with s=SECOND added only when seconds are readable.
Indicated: h=2 m=16
